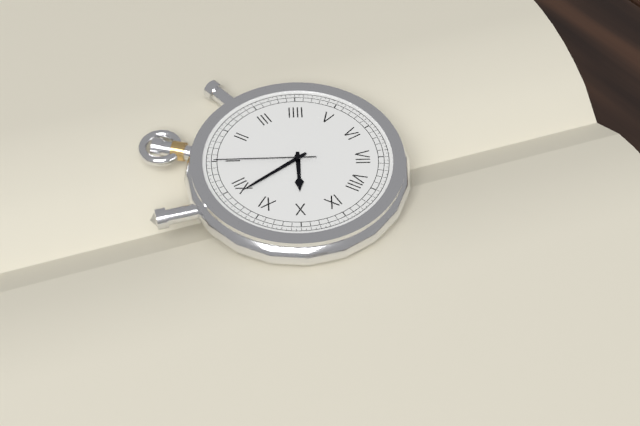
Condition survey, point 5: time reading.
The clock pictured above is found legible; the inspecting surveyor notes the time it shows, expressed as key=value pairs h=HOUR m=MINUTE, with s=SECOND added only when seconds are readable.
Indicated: h=9 m=59 s=5
